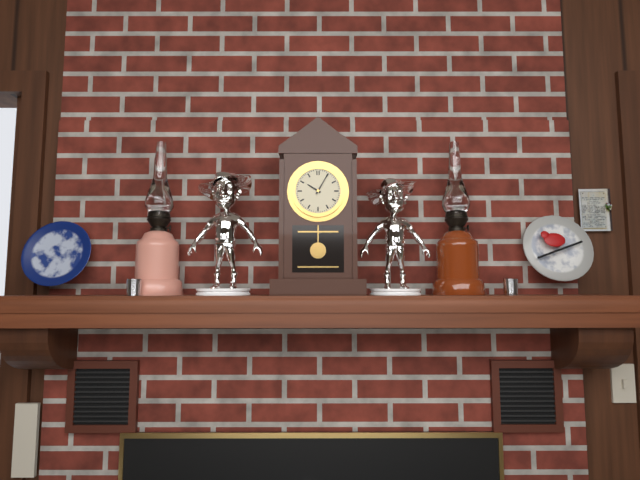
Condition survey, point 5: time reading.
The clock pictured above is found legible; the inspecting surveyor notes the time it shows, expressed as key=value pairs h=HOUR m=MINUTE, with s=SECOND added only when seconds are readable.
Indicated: h=10 m=5
